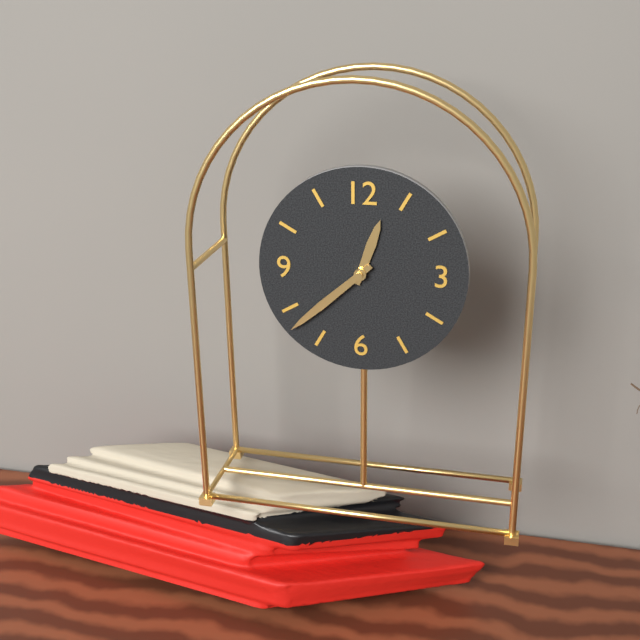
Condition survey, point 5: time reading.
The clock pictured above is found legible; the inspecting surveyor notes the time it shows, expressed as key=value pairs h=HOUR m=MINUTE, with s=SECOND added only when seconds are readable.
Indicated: h=12 m=38
